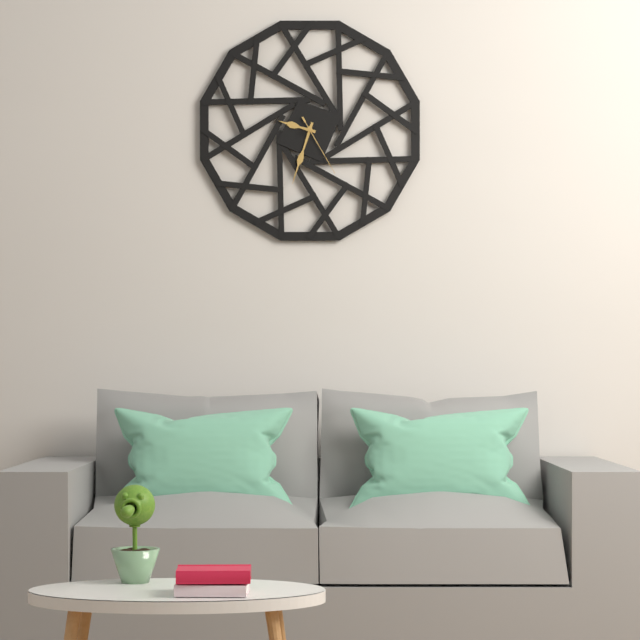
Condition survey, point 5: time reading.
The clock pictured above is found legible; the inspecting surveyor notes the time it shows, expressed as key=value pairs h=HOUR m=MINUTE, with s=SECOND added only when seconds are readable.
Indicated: h=9 m=33 s=25
